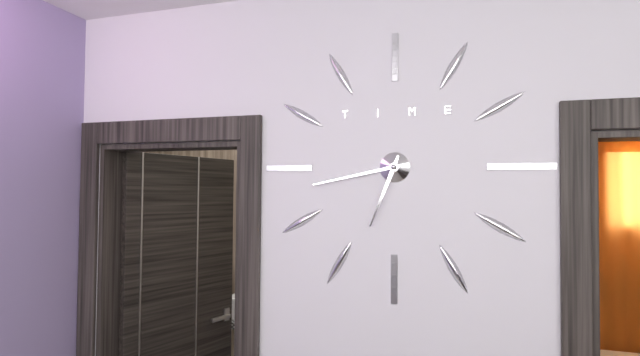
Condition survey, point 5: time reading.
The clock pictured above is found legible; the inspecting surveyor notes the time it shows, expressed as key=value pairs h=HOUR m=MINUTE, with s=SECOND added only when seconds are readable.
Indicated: h=6 m=43
